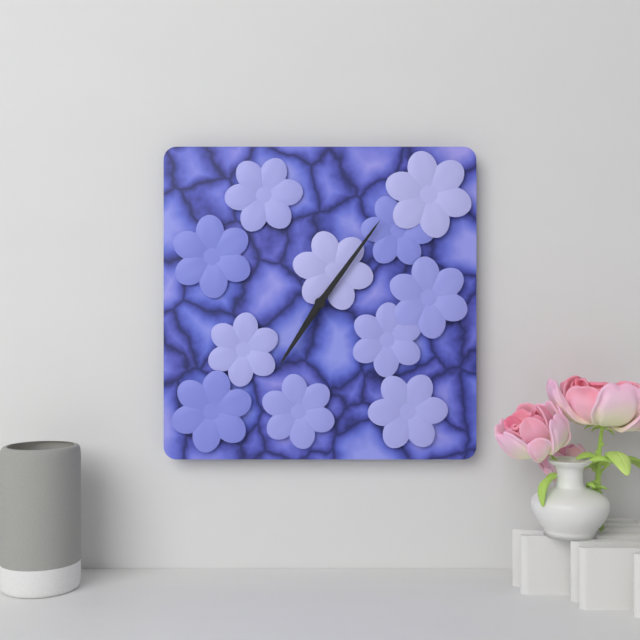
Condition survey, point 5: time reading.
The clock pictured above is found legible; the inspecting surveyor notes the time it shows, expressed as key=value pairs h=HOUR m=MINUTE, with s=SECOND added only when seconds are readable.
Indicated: h=7 m=6
